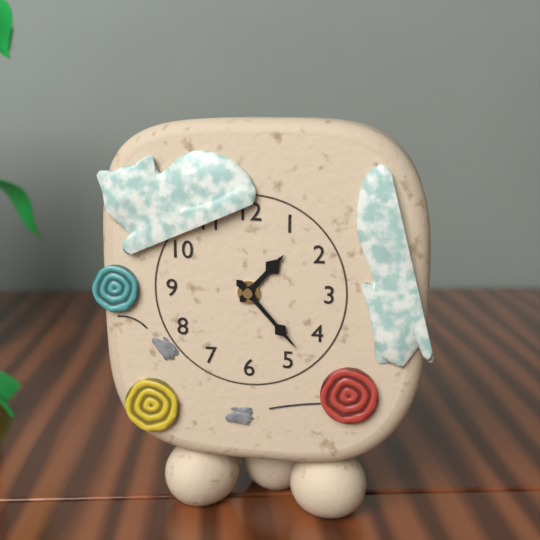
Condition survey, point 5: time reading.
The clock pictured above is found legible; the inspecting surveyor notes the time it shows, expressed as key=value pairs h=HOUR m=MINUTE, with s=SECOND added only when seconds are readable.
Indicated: h=1 m=23
